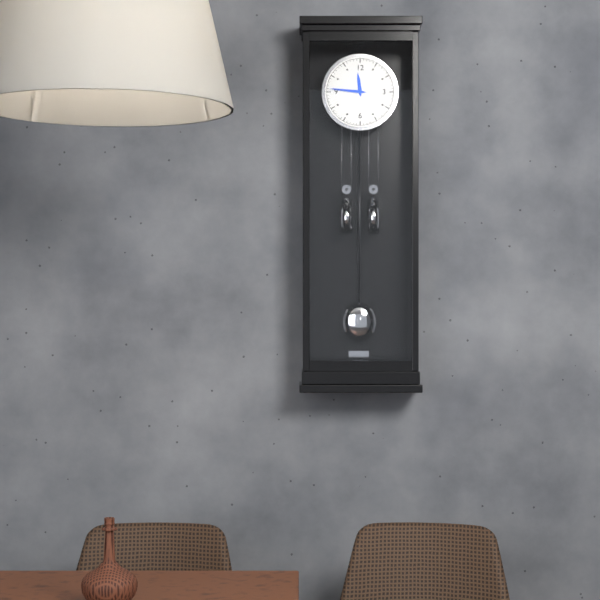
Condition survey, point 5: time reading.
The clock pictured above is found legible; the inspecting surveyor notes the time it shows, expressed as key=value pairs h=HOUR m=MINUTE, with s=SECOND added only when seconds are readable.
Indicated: h=11 m=46
